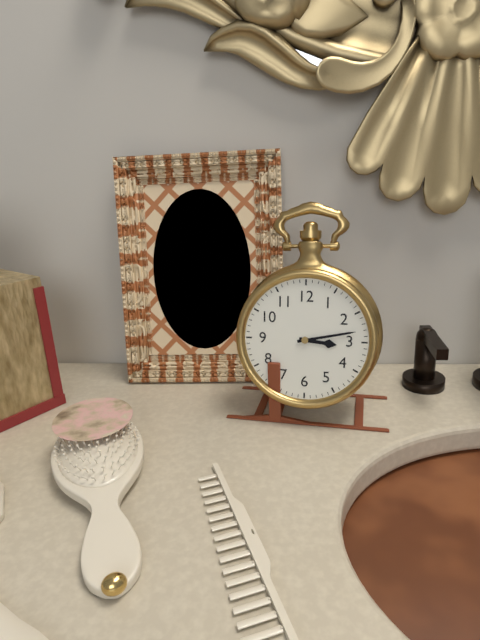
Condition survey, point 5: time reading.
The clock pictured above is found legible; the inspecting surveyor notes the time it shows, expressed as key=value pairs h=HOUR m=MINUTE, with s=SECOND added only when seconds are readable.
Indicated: h=3 m=13
